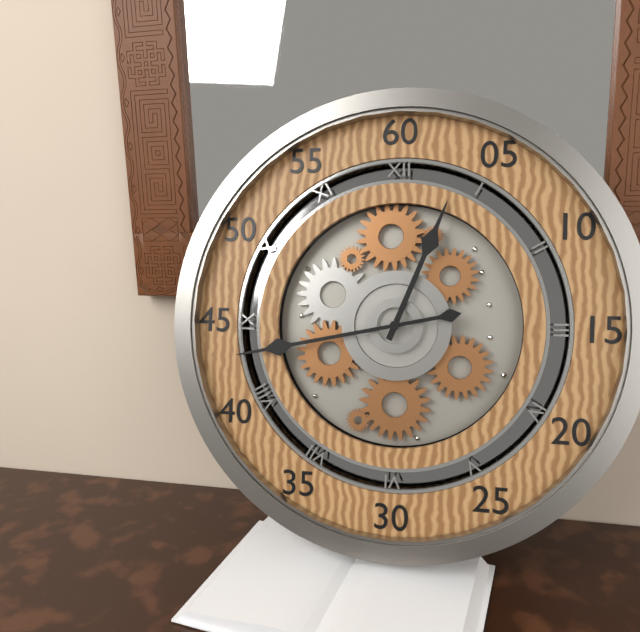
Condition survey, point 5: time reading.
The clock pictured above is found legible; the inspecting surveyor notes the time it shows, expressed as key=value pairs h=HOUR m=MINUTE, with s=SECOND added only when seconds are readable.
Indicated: h=12 m=43
